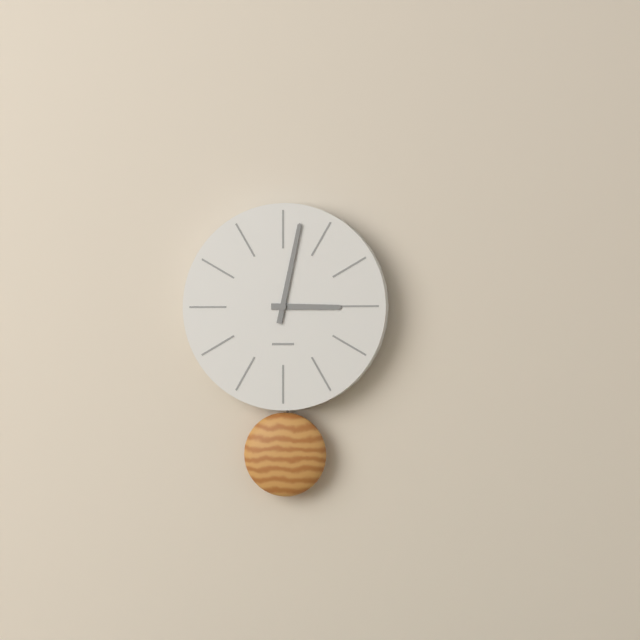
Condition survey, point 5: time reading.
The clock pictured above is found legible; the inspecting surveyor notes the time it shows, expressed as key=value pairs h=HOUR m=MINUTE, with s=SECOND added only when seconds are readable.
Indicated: h=3 m=2
